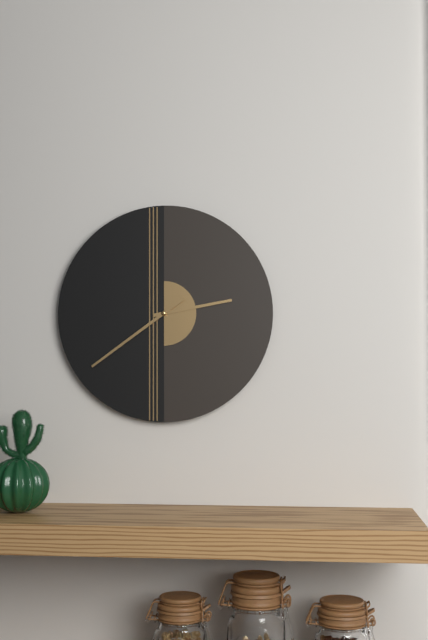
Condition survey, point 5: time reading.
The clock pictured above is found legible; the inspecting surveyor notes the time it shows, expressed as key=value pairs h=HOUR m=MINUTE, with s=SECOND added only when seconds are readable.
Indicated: h=2 m=39
